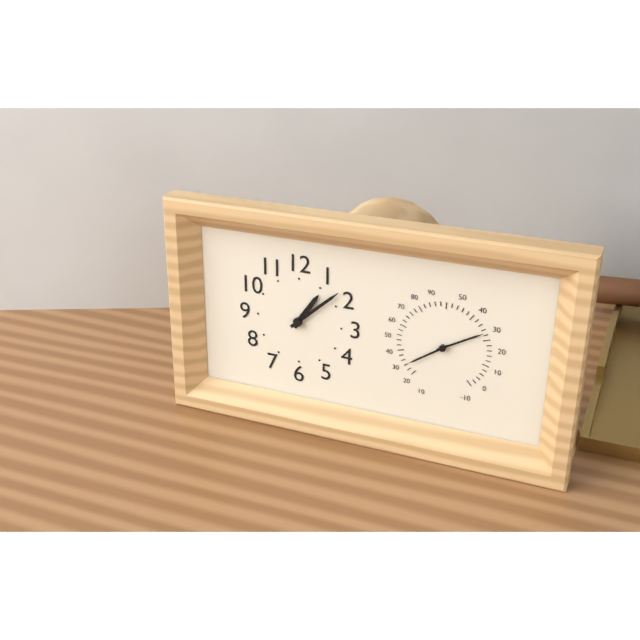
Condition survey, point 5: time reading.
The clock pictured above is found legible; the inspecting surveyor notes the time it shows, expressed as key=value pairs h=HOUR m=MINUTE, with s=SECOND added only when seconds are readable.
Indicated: h=1 m=8
